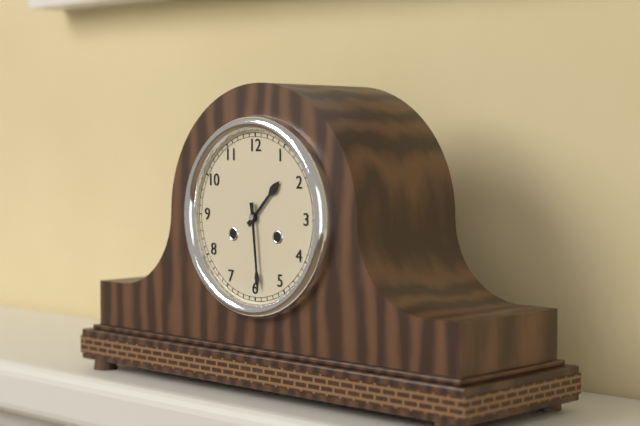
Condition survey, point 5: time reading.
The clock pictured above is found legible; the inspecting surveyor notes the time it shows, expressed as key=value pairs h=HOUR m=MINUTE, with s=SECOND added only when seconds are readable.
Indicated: h=1 m=29
